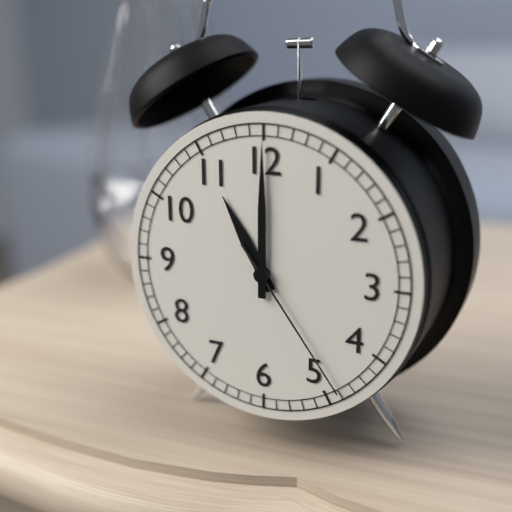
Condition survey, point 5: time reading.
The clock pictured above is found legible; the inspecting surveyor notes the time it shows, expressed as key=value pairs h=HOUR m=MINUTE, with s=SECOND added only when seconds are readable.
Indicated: h=11 m=0 s=24
